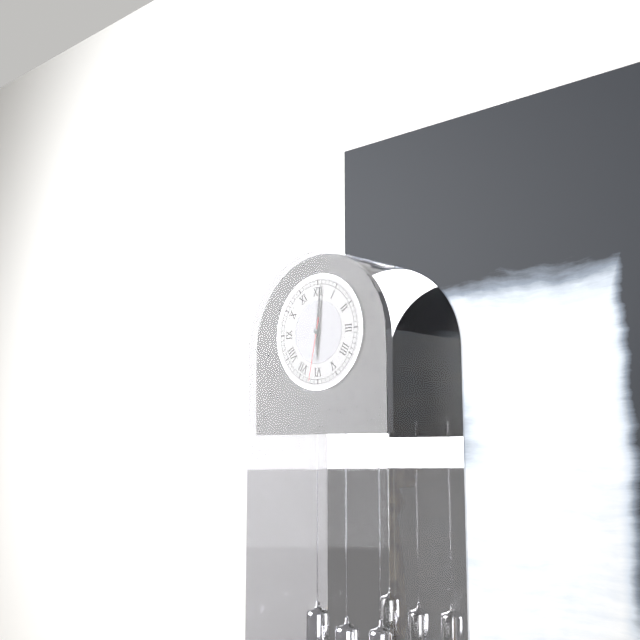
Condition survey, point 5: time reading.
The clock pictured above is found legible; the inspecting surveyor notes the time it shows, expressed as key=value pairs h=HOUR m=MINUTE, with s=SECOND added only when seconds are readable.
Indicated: h=6 m=1 s=32
